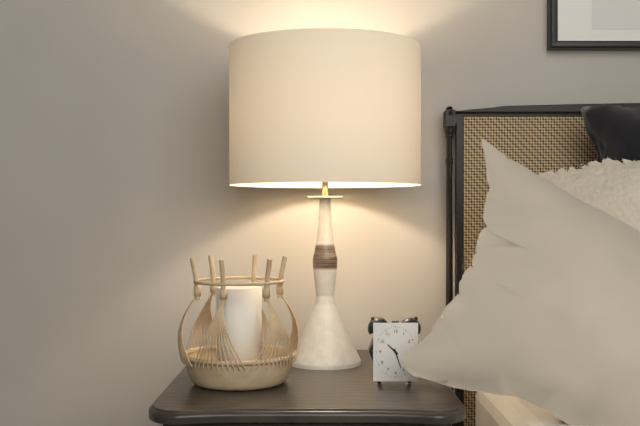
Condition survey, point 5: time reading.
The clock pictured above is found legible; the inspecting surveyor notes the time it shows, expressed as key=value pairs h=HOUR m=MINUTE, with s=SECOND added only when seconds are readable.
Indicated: h=10 m=27
